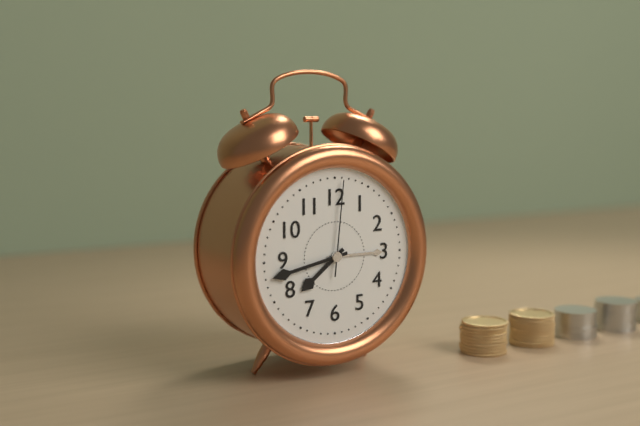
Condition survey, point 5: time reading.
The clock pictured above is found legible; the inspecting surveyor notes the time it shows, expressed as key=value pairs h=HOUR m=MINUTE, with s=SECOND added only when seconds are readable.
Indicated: h=7 m=43 s=1
